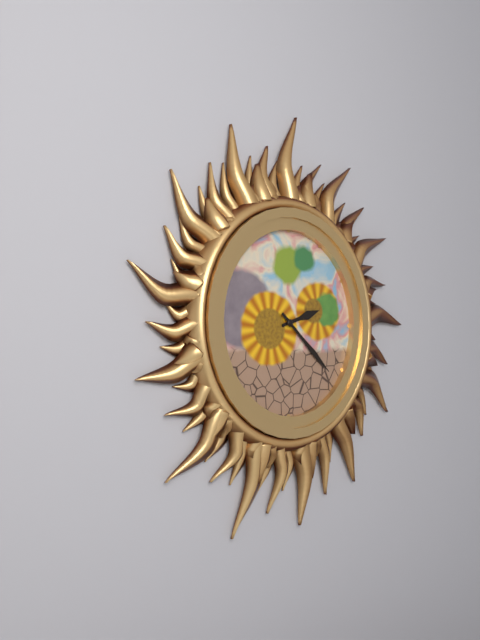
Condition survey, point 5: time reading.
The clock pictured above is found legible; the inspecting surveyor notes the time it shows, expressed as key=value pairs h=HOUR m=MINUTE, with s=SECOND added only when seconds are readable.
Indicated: h=2 m=22
